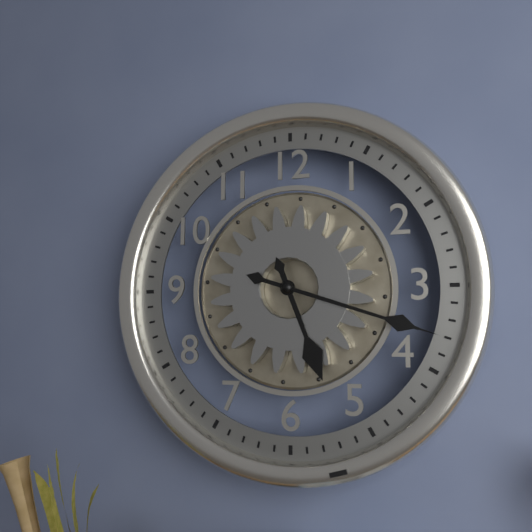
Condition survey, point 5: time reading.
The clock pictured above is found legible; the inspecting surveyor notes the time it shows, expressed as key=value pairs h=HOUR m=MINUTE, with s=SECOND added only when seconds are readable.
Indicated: h=5 m=18
